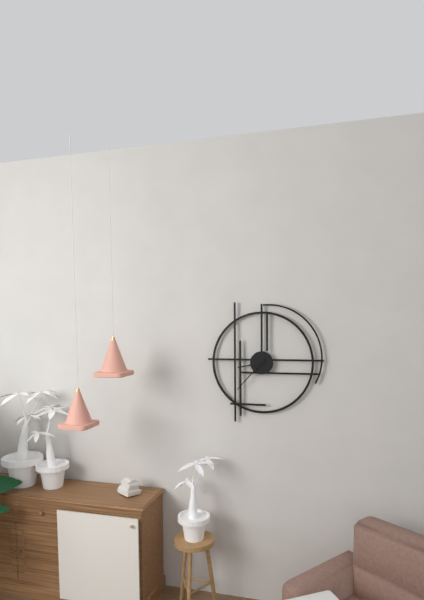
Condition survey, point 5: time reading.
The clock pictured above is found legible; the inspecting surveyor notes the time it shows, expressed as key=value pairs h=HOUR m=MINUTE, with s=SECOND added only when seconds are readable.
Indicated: h=8 m=37
